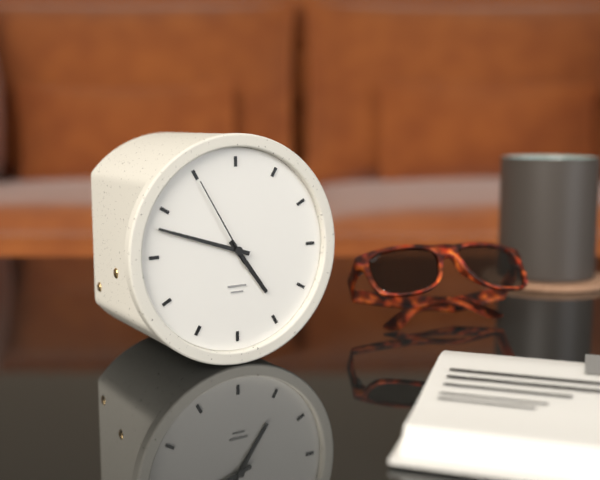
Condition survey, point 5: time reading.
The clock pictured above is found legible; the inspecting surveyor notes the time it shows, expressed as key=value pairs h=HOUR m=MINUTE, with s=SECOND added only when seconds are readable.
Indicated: h=4 m=48 s=55
